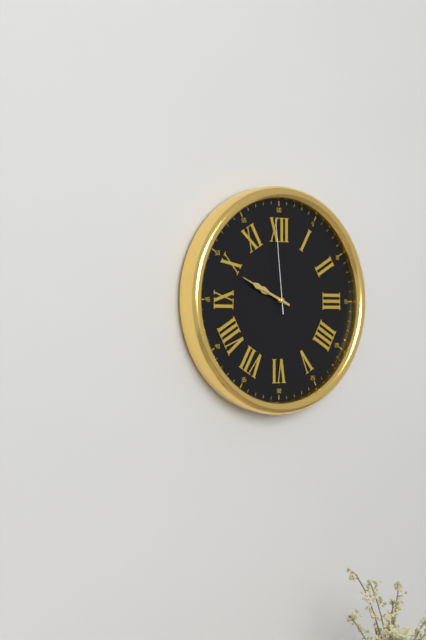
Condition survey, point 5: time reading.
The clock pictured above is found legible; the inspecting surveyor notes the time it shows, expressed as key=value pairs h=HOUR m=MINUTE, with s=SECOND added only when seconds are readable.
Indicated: h=9 m=49 s=59
